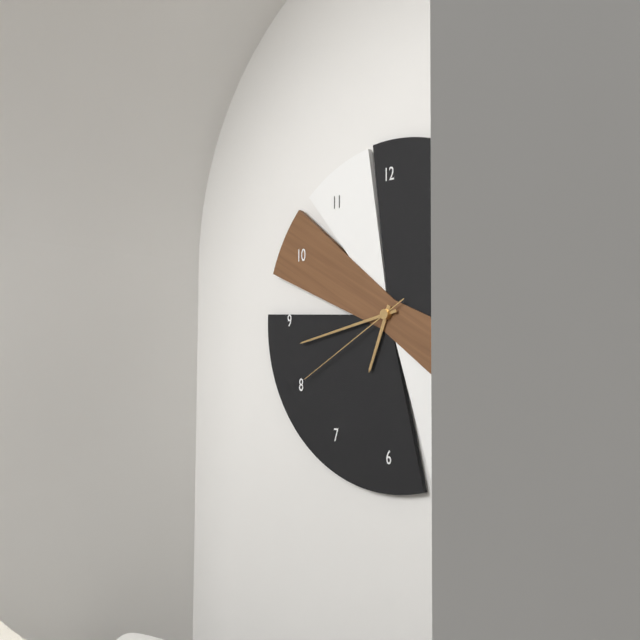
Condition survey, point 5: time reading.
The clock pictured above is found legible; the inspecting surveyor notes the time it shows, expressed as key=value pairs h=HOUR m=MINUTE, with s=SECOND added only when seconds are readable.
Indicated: h=6 m=43 s=40
